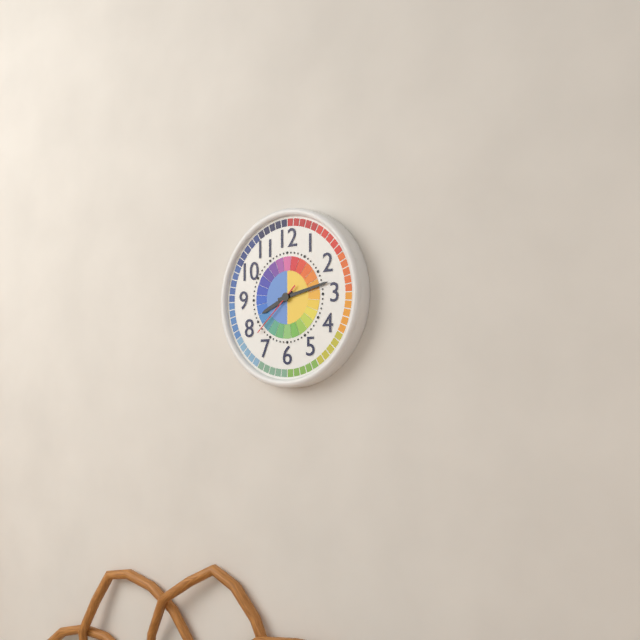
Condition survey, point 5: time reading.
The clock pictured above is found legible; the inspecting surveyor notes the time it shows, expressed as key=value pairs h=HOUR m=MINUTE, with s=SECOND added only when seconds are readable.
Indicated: h=8 m=13 s=38
